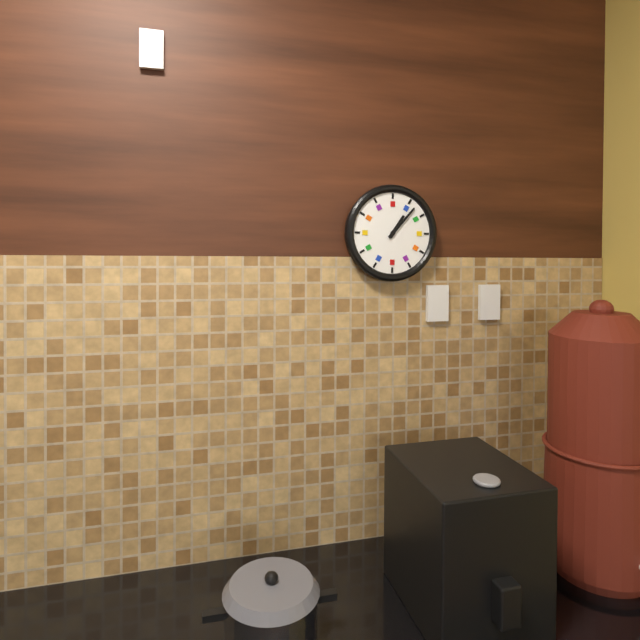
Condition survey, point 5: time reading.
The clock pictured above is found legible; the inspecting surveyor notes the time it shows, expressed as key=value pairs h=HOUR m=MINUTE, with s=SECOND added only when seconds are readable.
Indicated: h=1 m=7
